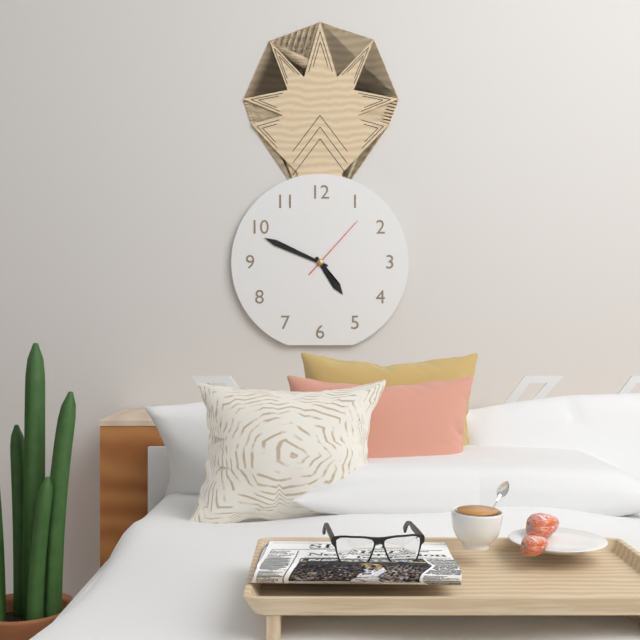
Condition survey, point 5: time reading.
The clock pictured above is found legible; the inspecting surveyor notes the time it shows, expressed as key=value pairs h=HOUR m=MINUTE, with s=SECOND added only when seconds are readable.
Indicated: h=4 m=49 s=7
